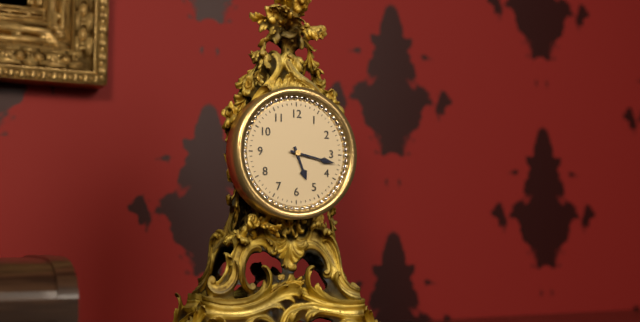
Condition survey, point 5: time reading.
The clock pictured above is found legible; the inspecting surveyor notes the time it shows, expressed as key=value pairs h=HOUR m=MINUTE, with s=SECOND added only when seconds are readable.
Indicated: h=5 m=17
